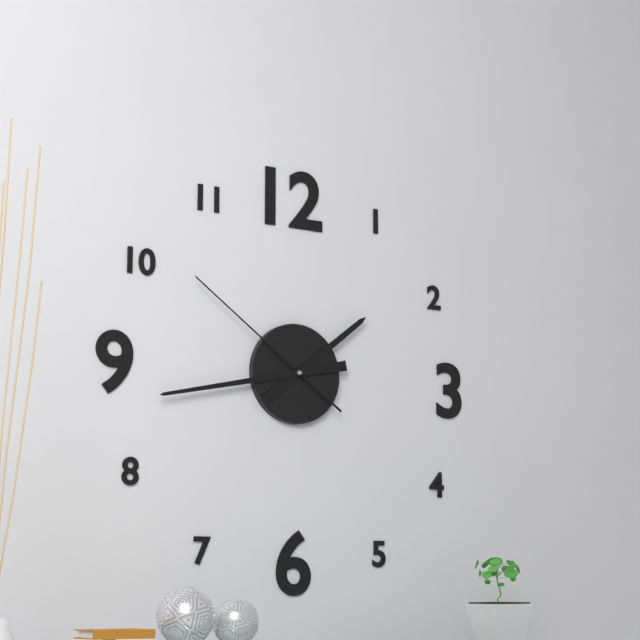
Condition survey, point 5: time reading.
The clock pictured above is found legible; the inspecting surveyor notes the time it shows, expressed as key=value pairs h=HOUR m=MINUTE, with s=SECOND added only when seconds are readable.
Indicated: h=1 m=43 s=51
